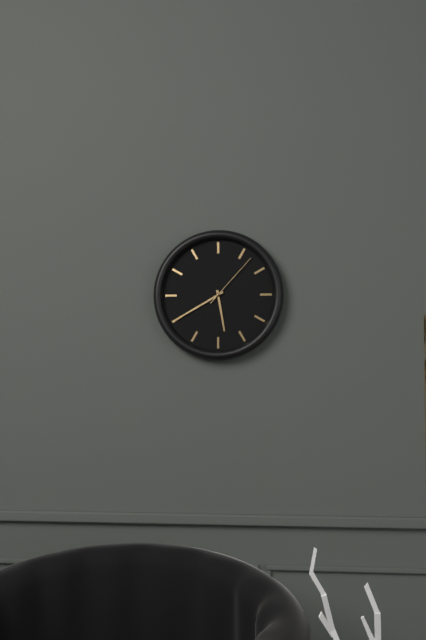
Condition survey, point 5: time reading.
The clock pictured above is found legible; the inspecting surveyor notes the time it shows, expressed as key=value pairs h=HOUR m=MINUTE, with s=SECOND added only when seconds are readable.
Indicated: h=5 m=40 s=7
